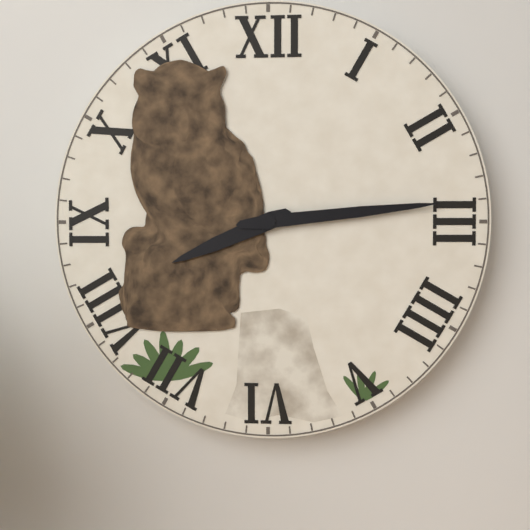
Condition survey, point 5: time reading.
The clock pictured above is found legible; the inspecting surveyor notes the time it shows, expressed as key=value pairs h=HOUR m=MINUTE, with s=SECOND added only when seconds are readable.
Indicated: h=8 m=14
